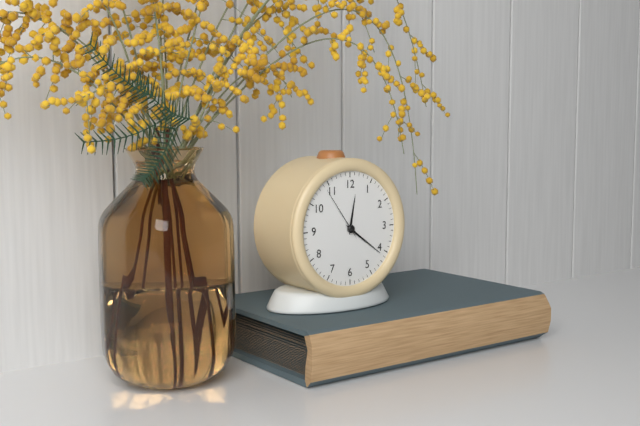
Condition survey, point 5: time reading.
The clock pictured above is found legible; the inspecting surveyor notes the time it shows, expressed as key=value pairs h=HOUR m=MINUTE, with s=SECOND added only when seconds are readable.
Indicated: h=12 m=21 s=54
